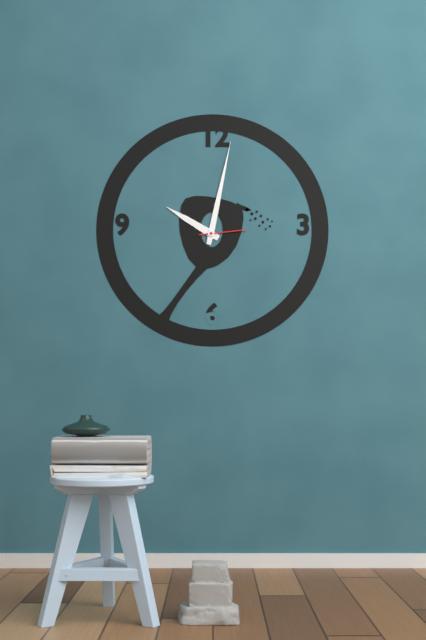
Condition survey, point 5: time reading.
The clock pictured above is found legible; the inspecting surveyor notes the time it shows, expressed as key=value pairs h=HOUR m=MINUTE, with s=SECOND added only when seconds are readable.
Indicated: h=10 m=2
